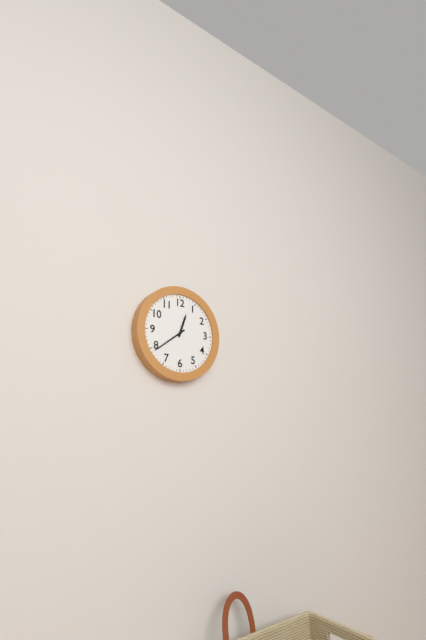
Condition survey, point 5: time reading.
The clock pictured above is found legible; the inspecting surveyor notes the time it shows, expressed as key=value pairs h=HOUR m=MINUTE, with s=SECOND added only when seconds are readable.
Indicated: h=12 m=39
